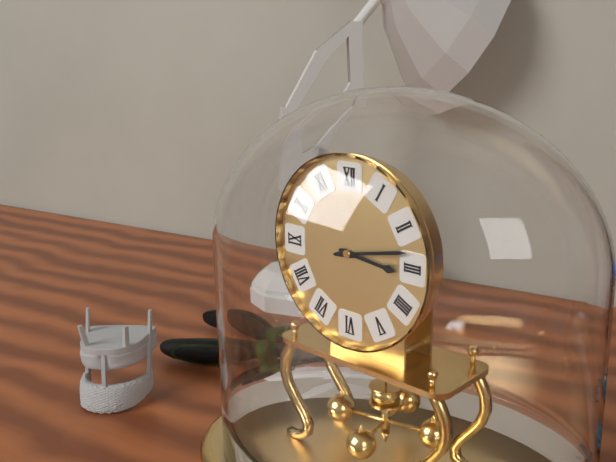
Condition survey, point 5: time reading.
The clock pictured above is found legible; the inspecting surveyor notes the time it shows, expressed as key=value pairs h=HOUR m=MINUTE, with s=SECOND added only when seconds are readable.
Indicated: h=3 m=13
